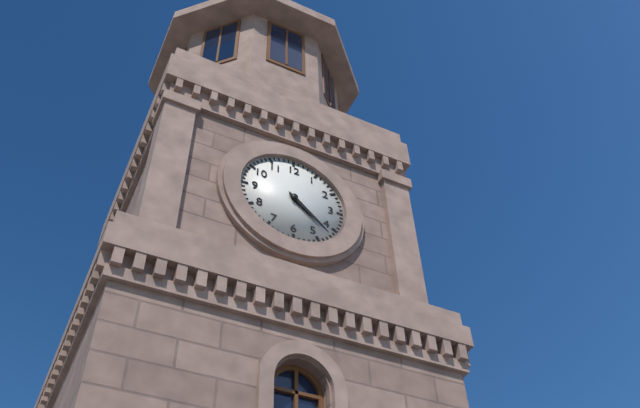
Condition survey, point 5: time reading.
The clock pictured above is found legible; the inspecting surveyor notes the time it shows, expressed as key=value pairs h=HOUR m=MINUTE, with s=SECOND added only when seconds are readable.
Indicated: h=4 m=22
